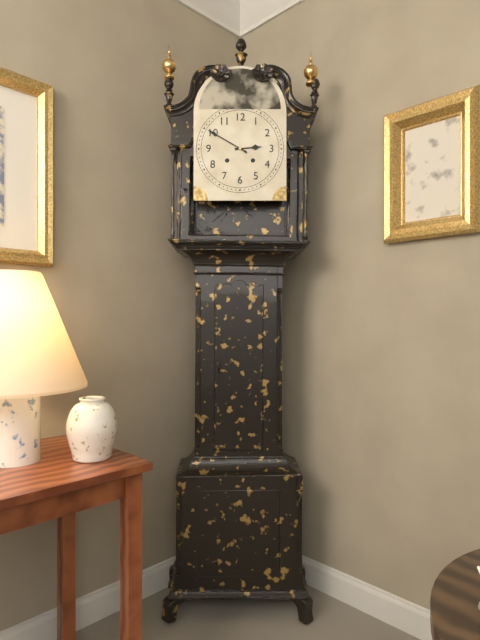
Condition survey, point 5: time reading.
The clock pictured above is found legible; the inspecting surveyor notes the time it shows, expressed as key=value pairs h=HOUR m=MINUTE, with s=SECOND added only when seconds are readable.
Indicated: h=2 m=50
